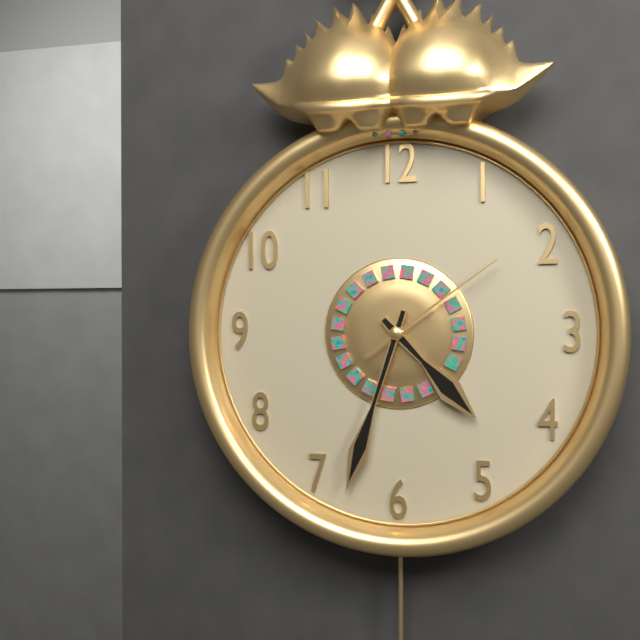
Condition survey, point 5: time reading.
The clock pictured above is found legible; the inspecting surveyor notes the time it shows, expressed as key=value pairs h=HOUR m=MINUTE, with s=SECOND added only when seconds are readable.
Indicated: h=4 m=33 s=9
